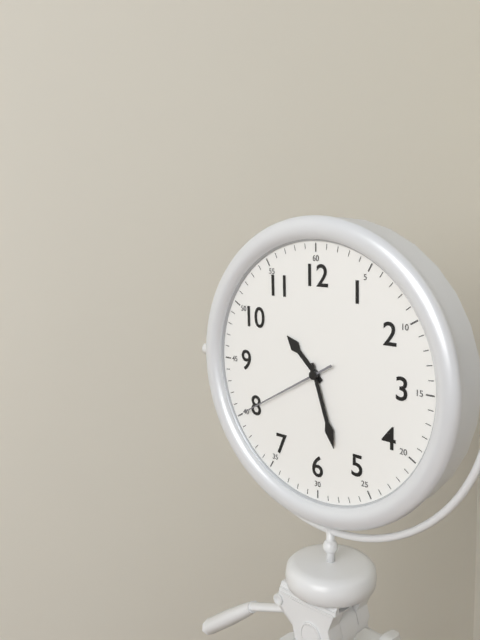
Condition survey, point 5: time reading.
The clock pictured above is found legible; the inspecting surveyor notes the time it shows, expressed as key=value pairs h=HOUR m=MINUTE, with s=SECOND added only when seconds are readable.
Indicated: h=10 m=27 s=40
